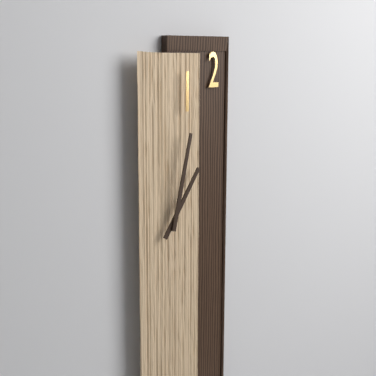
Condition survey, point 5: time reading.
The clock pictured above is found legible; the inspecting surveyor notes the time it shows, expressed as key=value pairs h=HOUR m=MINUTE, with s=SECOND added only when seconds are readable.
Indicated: h=1 m=2
